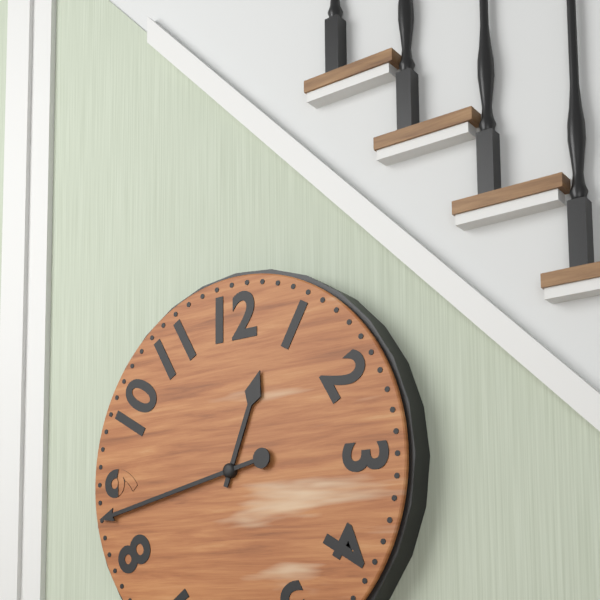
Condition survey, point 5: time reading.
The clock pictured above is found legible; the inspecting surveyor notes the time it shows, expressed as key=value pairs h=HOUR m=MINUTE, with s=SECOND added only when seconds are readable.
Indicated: h=12 m=43
